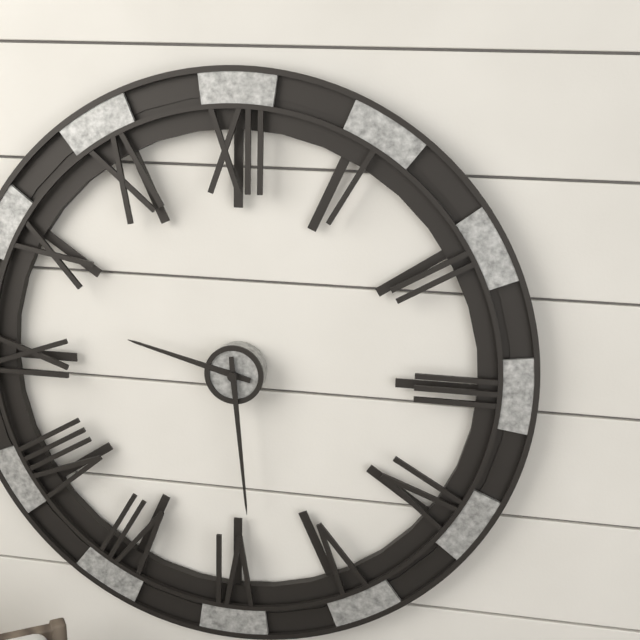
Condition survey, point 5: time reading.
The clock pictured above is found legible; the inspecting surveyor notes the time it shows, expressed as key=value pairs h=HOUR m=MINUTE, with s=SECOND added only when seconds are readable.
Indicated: h=9 m=29
